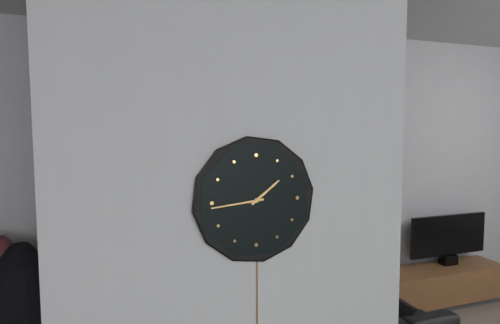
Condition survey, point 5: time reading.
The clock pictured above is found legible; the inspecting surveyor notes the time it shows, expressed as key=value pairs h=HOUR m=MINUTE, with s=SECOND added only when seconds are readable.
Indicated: h=1 m=44
